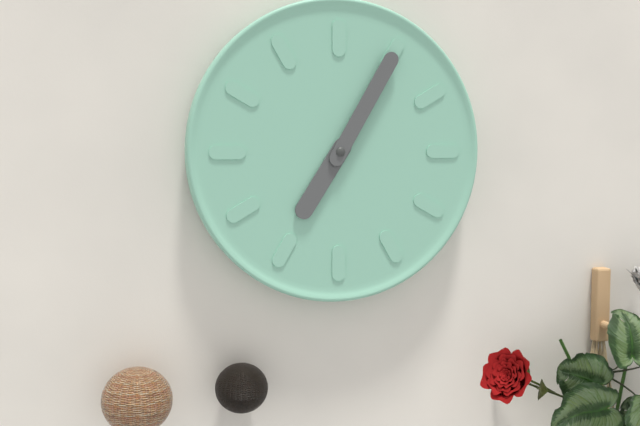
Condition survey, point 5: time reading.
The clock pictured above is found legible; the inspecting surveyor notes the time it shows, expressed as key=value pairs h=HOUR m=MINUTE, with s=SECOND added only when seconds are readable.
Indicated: h=7 m=5
